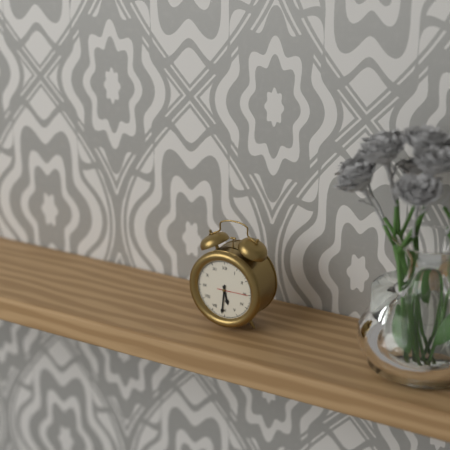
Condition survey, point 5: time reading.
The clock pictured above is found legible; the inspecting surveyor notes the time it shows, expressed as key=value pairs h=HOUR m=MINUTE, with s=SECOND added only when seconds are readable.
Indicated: h=5 m=31
